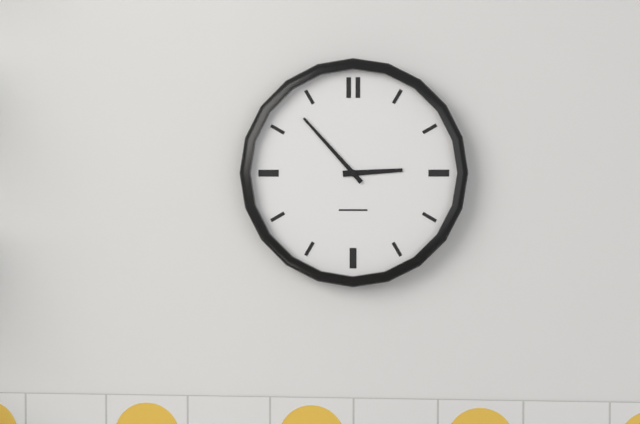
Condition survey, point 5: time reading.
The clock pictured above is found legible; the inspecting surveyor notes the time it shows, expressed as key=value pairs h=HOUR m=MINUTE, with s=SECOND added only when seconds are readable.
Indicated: h=2 m=53
